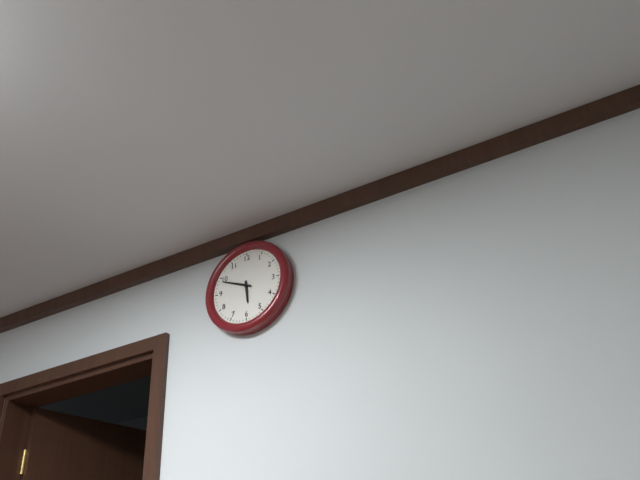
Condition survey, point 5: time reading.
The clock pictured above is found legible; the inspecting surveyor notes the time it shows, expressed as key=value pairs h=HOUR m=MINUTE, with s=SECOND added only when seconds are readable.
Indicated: h=5 m=49
